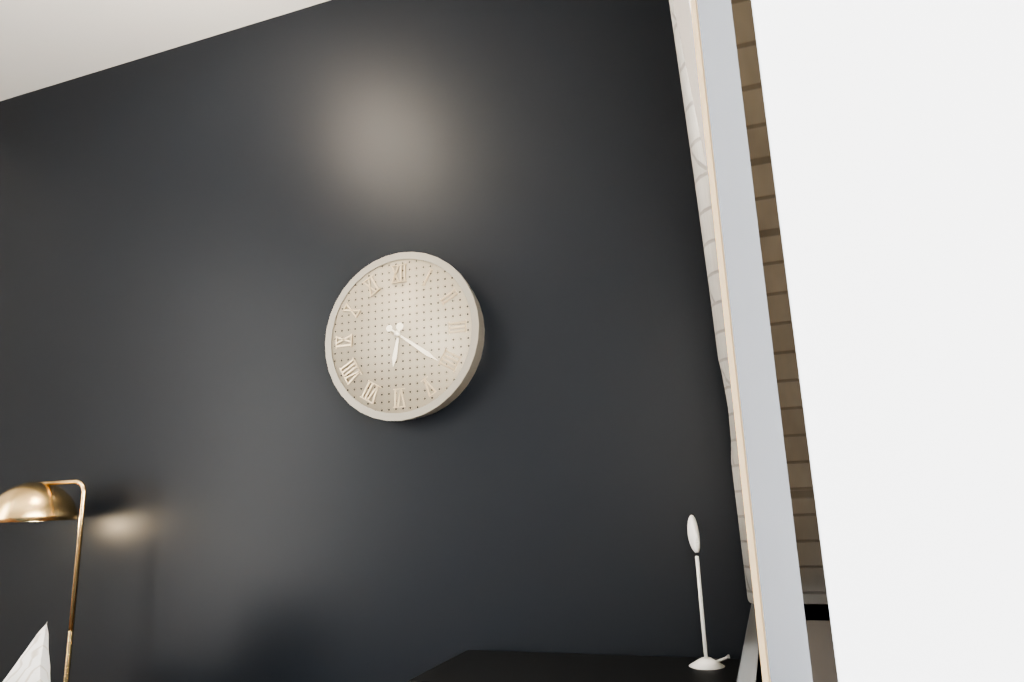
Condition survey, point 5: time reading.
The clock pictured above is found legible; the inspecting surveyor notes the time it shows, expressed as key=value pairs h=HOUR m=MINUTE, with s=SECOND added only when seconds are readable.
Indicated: h=6 m=21
